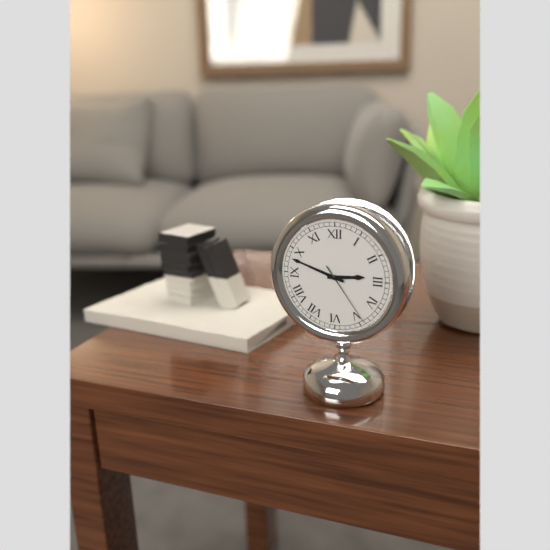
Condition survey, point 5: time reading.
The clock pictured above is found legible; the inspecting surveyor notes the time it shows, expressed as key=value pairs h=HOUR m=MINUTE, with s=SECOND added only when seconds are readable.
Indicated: h=2 m=48 s=24
